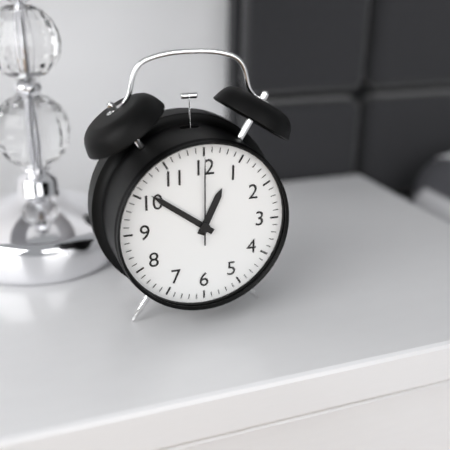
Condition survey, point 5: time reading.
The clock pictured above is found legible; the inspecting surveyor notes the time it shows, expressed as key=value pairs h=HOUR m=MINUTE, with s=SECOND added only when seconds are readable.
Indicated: h=12 m=51 s=0
